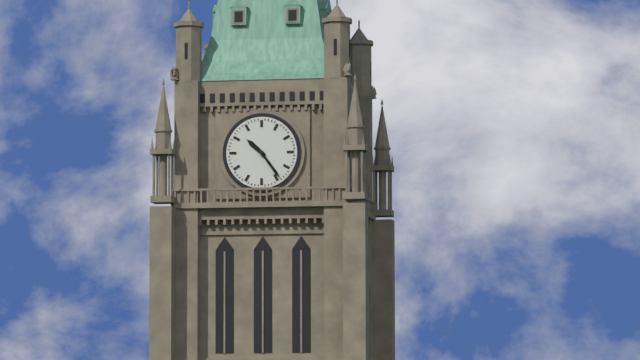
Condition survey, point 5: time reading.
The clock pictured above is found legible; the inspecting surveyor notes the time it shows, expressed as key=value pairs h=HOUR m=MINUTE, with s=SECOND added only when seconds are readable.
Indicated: h=10 m=24
